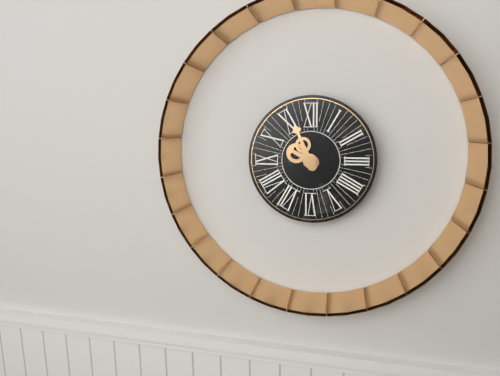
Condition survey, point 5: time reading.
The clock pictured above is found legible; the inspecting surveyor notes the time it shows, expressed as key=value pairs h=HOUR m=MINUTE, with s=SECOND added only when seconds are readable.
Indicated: h=9 m=56
